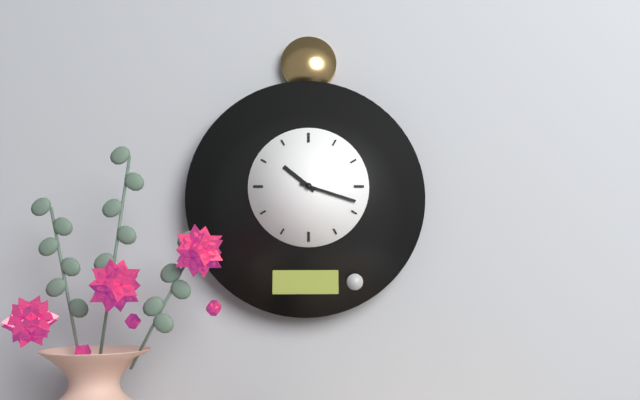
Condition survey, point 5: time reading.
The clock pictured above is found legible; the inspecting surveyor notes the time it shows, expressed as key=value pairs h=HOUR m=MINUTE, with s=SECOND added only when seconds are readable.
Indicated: h=10 m=18
